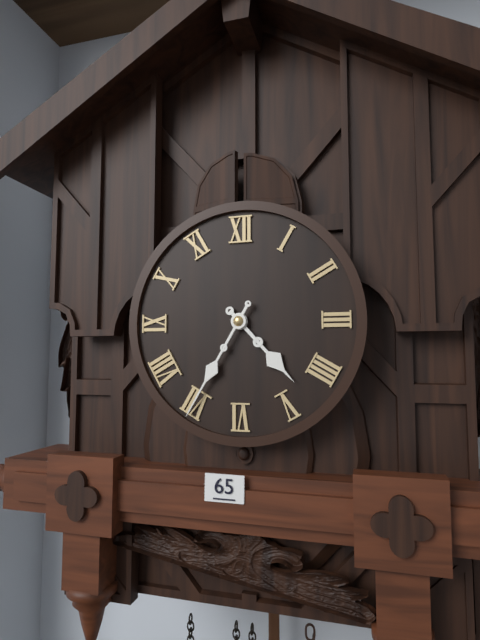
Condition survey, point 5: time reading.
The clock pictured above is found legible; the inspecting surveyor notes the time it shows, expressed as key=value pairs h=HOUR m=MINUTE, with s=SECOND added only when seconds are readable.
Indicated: h=4 m=35
